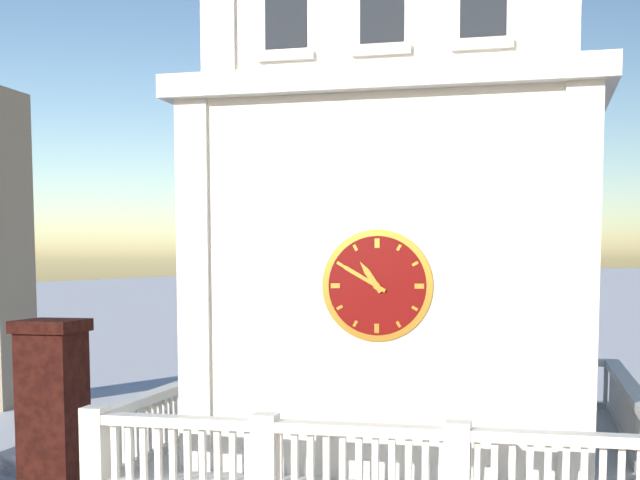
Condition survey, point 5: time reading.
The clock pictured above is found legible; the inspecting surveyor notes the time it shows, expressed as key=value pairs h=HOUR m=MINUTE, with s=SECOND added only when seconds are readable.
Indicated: h=10 m=50
